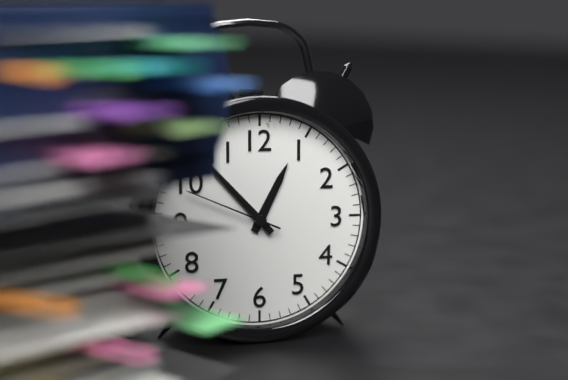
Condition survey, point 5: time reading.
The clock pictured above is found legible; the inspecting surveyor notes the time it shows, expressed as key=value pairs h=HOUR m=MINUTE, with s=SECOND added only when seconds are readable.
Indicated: h=12 m=53 s=49
